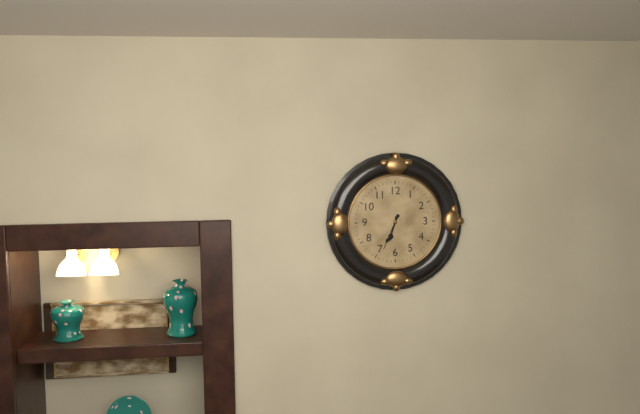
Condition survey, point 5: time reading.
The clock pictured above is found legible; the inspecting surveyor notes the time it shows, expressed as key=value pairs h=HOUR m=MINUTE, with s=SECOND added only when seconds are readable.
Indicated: h=6 m=34
